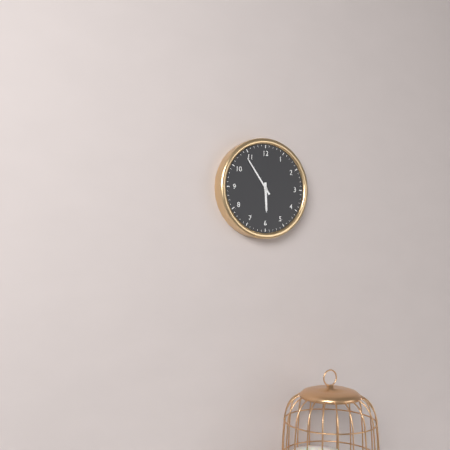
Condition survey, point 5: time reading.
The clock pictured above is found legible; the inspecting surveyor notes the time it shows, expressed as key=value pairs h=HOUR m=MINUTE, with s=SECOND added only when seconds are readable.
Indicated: h=5 m=54
